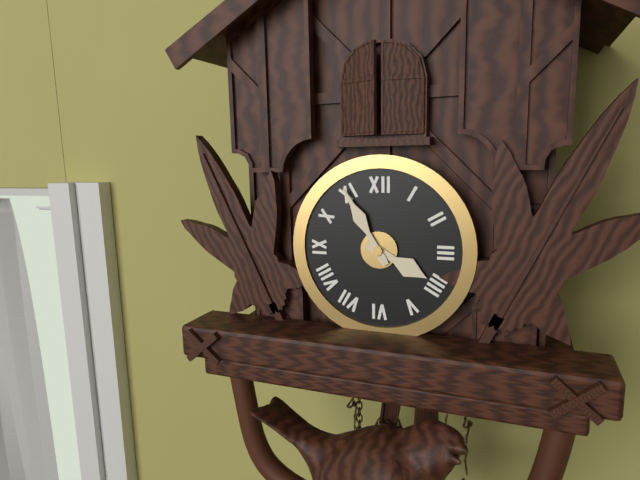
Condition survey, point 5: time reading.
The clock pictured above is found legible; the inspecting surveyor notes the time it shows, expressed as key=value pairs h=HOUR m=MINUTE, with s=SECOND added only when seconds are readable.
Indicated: h=3 m=55
